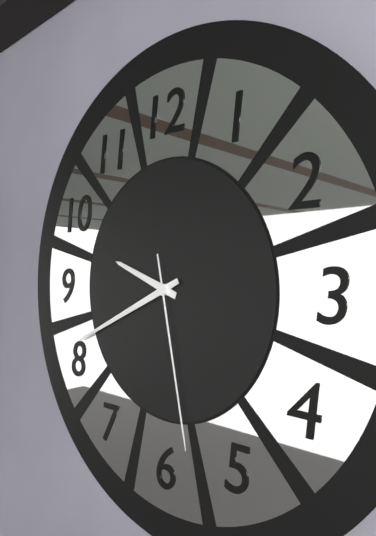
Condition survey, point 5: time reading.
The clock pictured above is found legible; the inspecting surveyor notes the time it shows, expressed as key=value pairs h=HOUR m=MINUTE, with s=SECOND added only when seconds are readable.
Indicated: h=9 m=41 s=28
